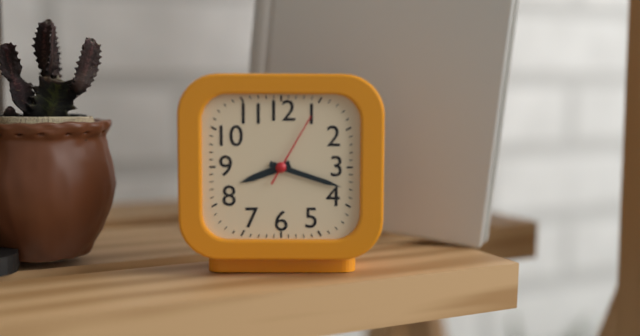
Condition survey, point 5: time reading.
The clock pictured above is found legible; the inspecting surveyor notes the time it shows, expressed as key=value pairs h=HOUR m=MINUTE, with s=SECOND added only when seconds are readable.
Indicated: h=8 m=18 s=5
